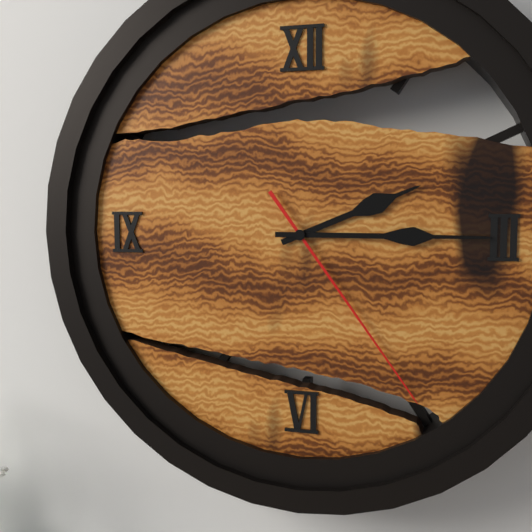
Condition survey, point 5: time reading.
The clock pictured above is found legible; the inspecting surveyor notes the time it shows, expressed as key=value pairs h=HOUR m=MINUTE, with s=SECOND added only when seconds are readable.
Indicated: h=2 m=15 s=24
